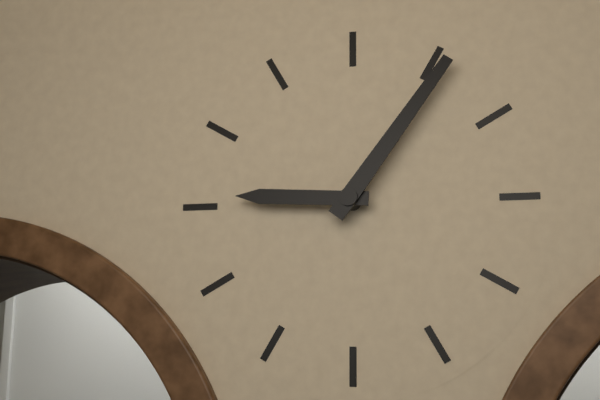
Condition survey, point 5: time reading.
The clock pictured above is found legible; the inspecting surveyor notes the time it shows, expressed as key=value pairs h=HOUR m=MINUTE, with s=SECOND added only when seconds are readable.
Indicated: h=9 m=6
